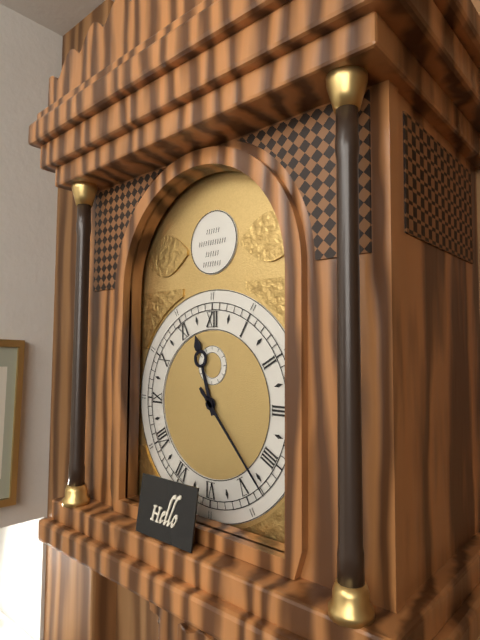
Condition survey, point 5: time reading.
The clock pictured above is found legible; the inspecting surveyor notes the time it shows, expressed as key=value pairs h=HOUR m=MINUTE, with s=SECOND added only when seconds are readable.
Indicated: h=11 m=23
